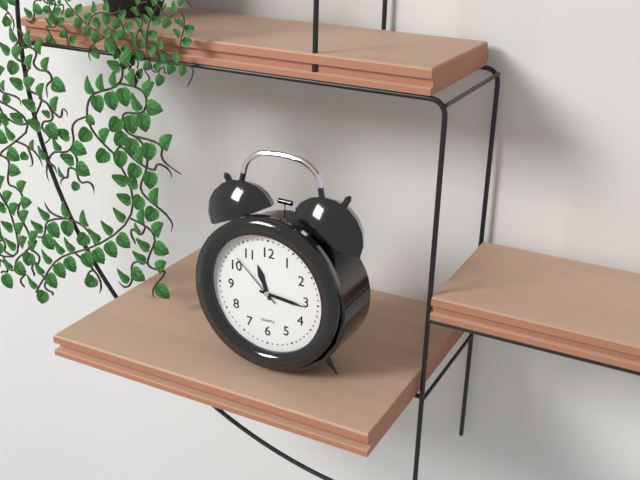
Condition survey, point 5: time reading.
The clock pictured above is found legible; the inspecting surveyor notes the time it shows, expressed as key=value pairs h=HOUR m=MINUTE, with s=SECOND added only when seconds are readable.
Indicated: h=11 m=16 s=52
